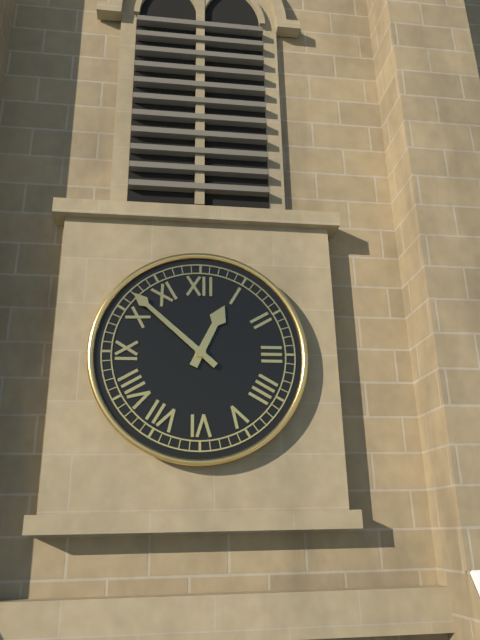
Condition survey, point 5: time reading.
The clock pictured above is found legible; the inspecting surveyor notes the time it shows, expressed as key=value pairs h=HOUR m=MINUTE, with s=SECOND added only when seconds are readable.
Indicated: h=12 m=52
